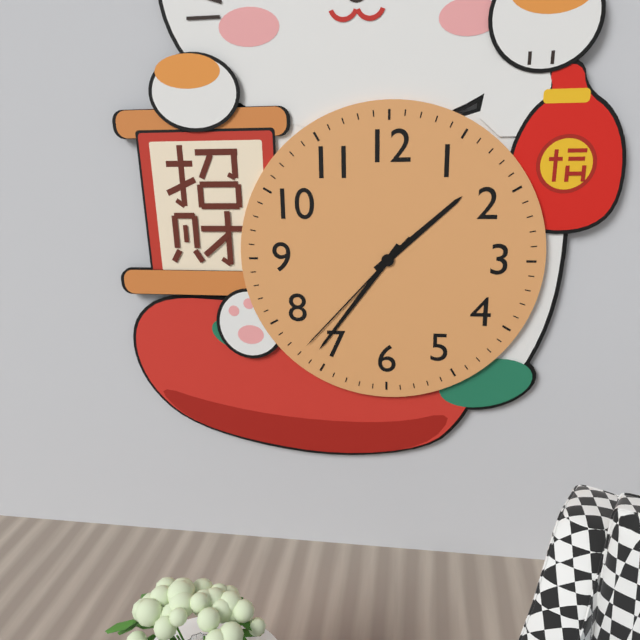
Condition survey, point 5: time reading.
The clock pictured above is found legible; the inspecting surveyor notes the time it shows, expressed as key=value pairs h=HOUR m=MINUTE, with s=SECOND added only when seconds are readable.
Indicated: h=1 m=36 s=37
